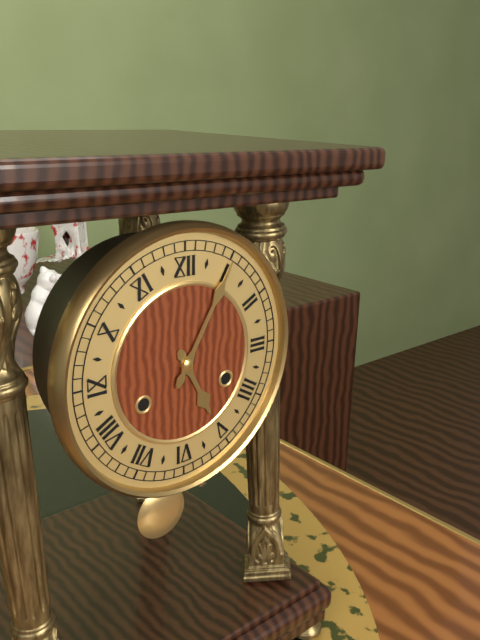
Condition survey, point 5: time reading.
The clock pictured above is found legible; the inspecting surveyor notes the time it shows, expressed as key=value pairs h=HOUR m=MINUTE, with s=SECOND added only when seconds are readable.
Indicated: h=5 m=5
